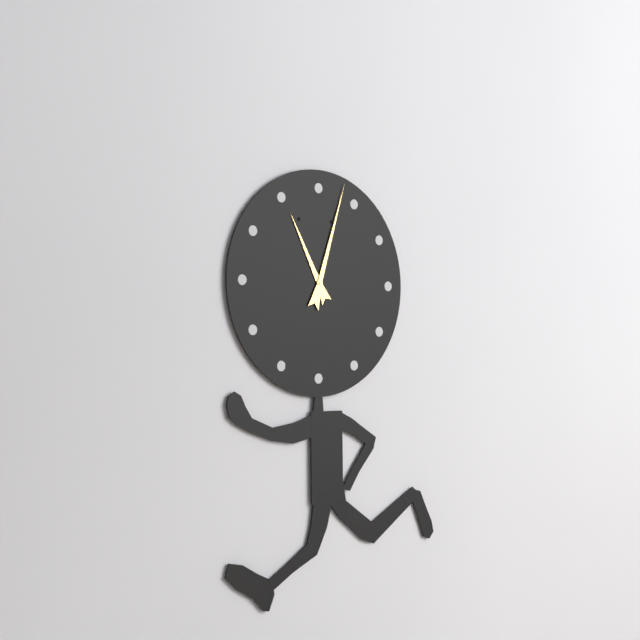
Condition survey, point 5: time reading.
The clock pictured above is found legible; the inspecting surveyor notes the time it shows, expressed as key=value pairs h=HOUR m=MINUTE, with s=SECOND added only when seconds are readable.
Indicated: h=11 m=3
